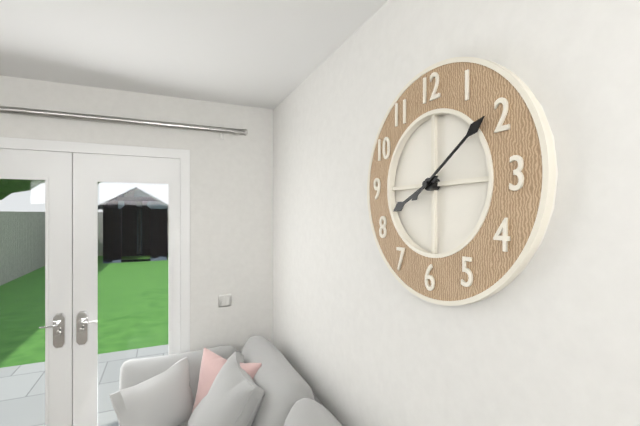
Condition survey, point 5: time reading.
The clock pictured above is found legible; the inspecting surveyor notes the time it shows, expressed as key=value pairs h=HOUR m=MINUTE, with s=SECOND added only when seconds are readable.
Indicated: h=8 m=9
